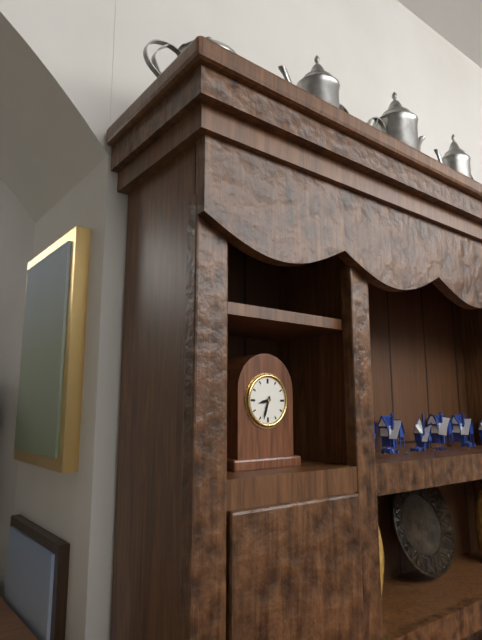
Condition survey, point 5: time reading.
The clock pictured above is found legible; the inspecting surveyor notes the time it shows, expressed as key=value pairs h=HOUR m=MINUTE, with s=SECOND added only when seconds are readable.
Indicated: h=8 m=33
